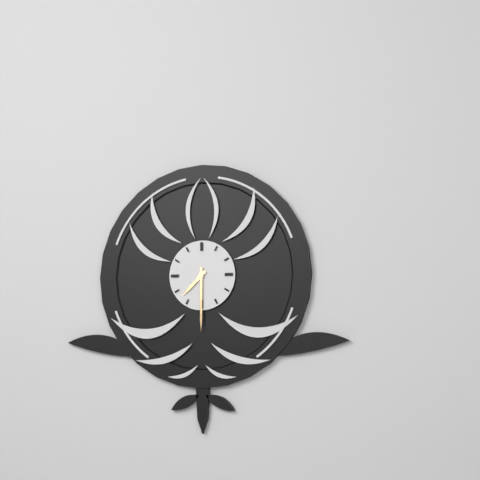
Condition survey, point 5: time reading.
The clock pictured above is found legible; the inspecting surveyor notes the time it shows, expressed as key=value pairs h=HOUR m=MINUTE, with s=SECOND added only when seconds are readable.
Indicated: h=7 m=30
